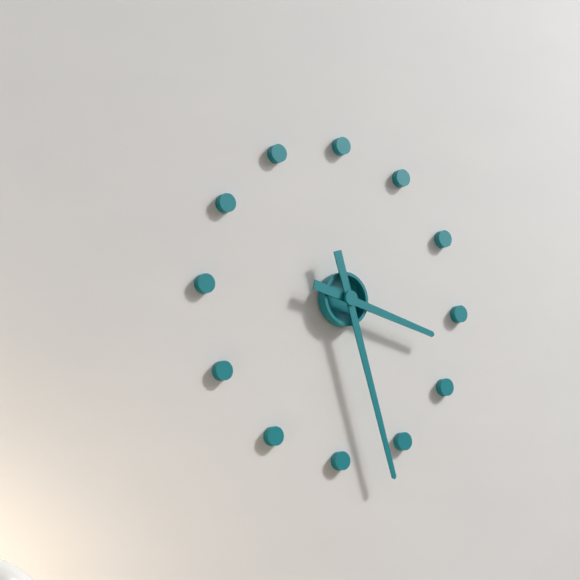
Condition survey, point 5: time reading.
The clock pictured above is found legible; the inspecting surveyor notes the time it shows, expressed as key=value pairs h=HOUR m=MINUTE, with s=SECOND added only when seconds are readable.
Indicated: h=3 m=27
